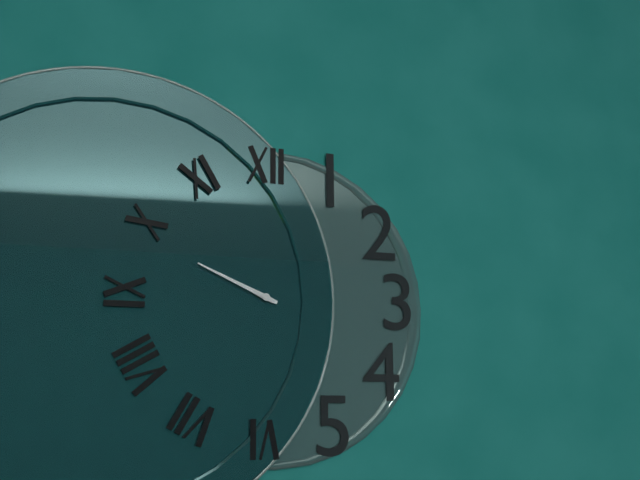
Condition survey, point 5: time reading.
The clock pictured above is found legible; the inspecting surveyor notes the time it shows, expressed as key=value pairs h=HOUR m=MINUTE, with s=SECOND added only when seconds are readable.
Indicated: h=9 m=49
